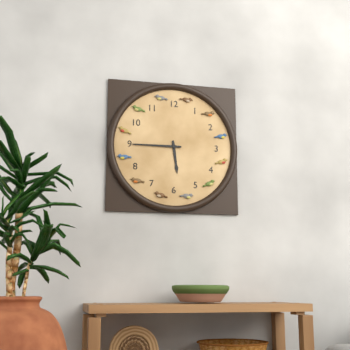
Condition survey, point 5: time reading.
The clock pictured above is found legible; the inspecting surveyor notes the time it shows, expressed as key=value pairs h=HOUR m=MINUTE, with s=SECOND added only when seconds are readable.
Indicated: h=5 m=45
